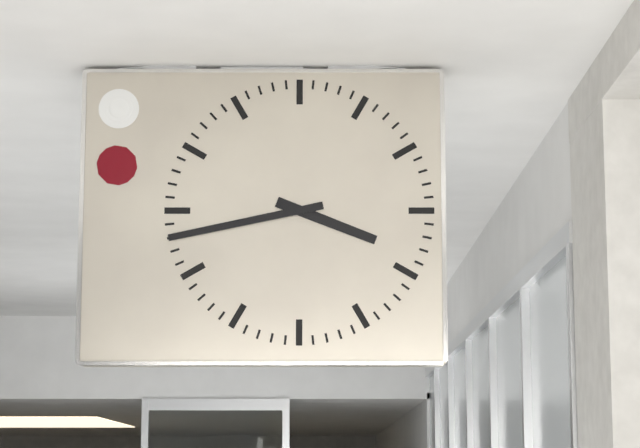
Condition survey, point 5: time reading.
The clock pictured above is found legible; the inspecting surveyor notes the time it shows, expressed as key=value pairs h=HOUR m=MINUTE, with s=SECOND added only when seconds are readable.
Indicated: h=3 m=43
